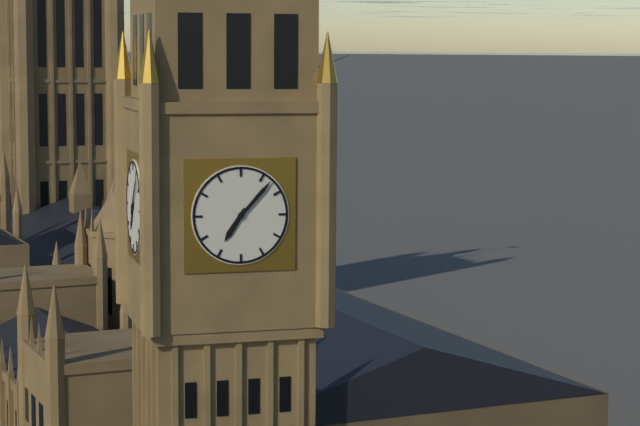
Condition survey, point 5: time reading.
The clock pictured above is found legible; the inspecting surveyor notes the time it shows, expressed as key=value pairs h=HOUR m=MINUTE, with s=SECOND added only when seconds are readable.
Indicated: h=7 m=7
